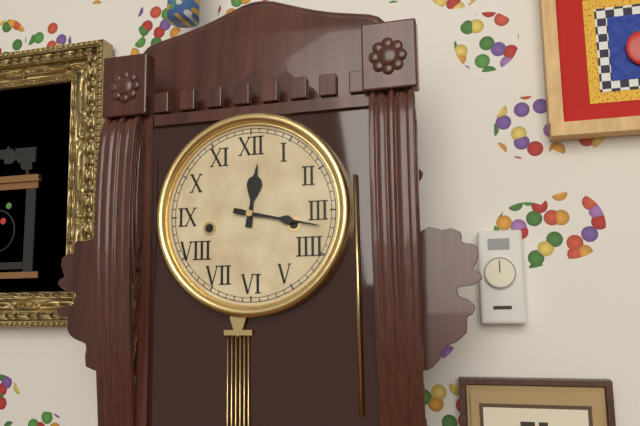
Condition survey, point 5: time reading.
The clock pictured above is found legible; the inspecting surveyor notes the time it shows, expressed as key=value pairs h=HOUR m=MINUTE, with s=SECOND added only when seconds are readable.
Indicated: h=12 m=17
